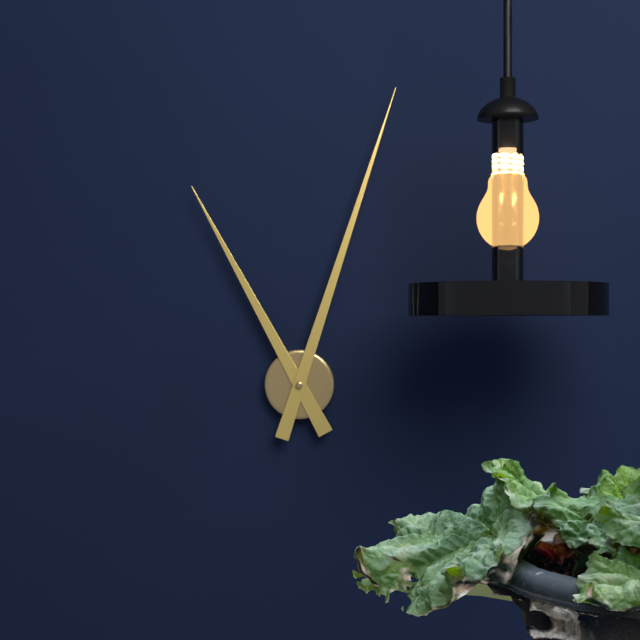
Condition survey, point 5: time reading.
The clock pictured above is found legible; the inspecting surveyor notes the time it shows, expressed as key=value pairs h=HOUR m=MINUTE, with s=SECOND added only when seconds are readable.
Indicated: h=11 m=3
